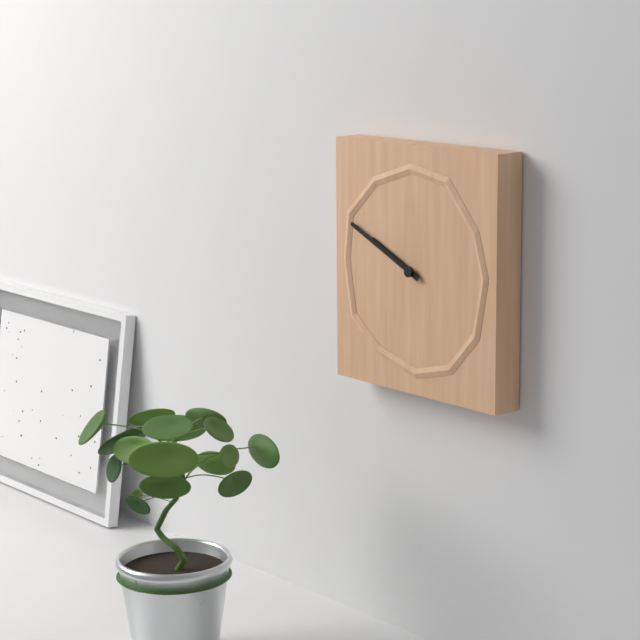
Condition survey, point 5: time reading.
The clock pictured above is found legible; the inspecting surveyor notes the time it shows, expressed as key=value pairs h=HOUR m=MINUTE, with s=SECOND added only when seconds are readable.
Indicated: h=9 m=49
